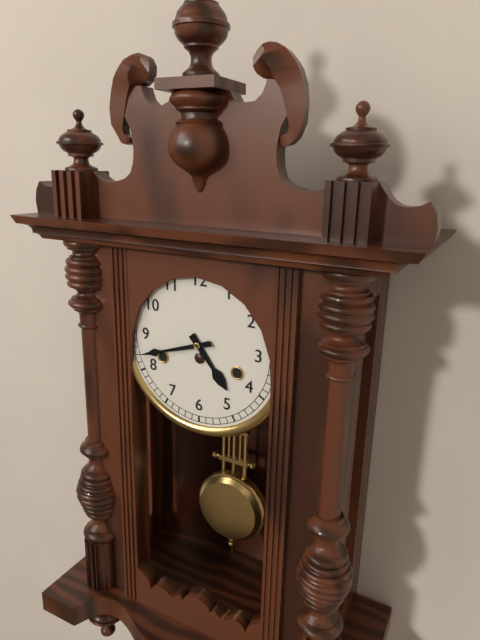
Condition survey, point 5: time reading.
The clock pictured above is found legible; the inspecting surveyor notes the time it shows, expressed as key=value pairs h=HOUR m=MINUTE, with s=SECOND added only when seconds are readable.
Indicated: h=4 m=42
